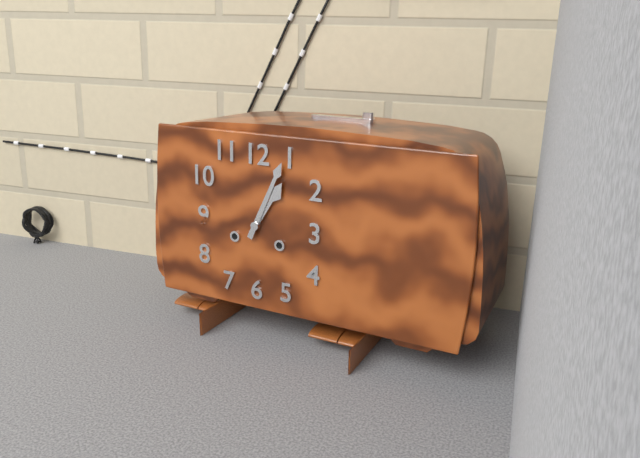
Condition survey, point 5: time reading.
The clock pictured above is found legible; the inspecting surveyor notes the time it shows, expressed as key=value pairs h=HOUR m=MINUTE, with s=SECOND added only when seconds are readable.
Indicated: h=1 m=4
